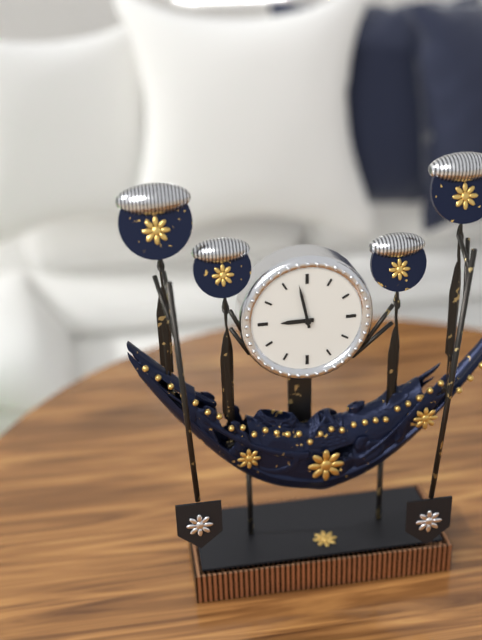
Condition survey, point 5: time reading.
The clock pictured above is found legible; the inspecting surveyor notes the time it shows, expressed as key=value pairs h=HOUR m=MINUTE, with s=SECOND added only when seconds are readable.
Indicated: h=8 m=58
